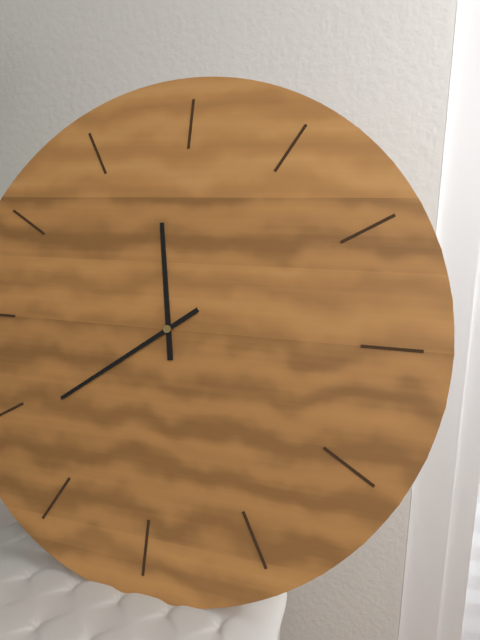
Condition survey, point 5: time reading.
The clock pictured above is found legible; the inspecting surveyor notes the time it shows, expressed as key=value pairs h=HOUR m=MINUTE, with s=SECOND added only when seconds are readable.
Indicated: h=11 m=39
